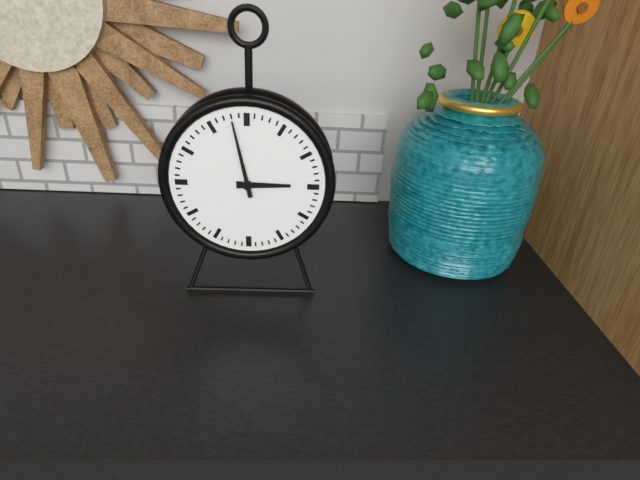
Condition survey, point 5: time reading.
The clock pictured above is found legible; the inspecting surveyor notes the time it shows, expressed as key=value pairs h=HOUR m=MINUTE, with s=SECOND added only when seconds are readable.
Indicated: h=2 m=58
